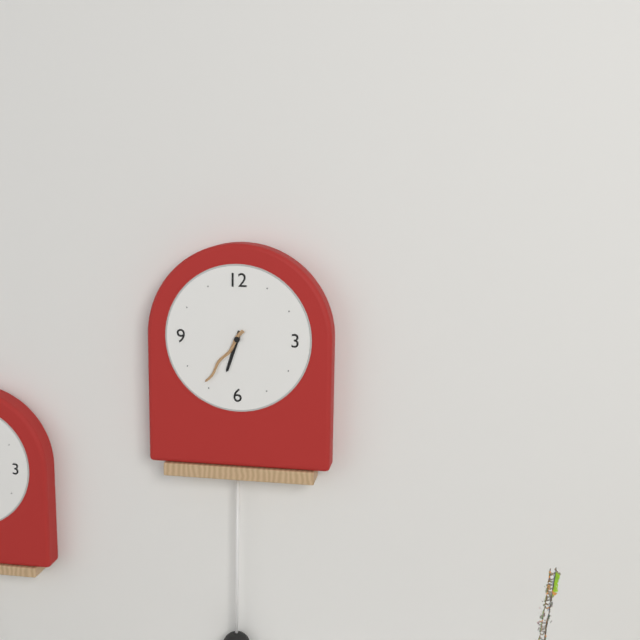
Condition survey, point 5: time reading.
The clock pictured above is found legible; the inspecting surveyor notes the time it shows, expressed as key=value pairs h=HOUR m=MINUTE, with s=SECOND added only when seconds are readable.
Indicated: h=6 m=36
